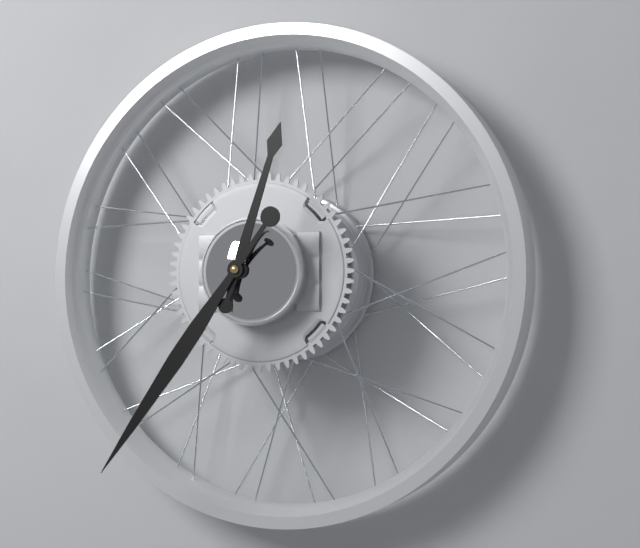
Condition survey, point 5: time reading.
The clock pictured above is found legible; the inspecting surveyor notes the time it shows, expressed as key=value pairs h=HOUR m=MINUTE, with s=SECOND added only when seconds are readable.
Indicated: h=12 m=36
